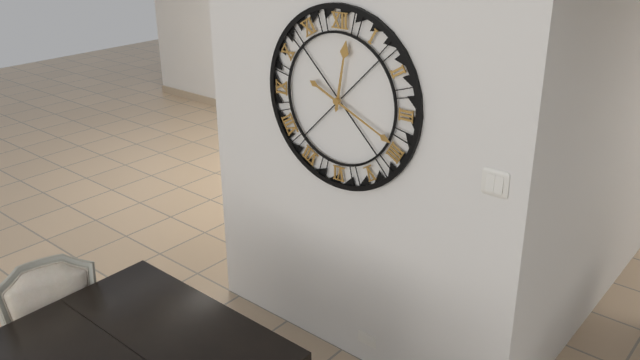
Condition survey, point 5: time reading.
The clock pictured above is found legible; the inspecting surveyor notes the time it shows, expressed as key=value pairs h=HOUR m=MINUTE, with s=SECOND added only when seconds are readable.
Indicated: h=12 m=19
